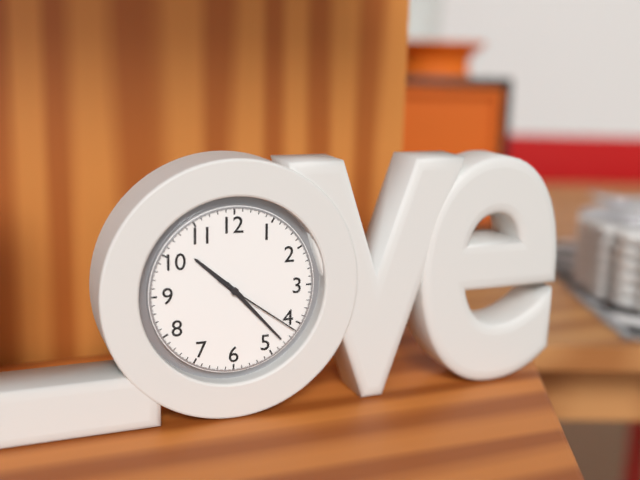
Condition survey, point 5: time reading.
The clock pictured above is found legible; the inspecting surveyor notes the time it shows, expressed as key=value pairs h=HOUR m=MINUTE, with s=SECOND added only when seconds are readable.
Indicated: h=10 m=23 s=21
